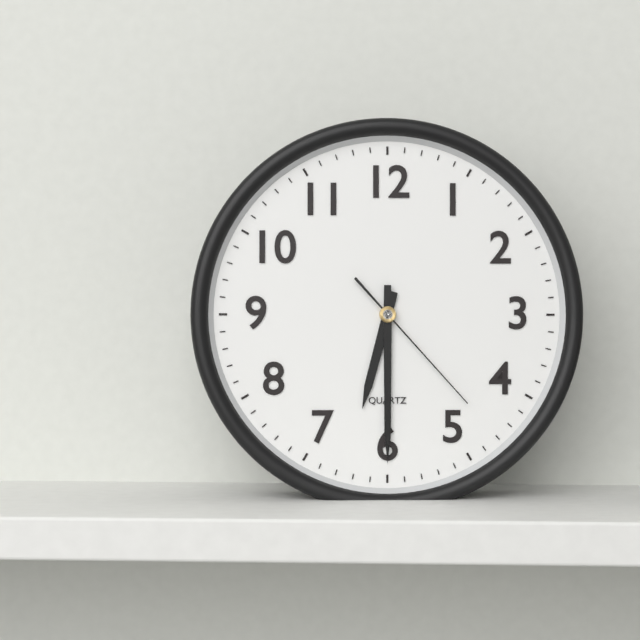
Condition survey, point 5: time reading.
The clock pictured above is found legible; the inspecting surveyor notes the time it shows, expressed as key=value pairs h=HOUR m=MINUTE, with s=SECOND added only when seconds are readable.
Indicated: h=6 m=30 s=23
